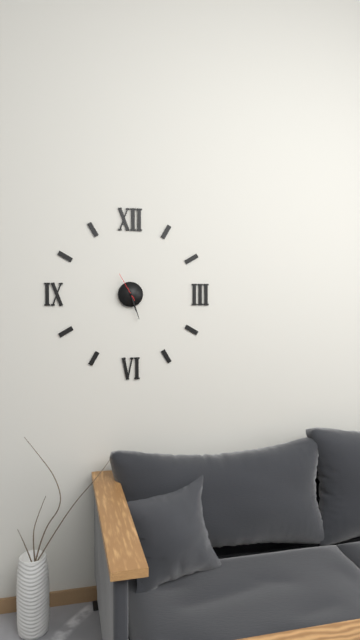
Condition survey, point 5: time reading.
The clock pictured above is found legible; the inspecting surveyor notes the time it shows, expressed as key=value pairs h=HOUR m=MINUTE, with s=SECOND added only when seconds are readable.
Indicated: h=5 m=27
